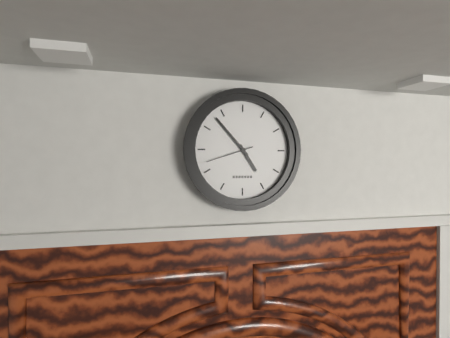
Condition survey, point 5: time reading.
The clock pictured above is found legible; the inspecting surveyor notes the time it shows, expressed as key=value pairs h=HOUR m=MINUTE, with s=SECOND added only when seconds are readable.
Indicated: h=4 m=53
